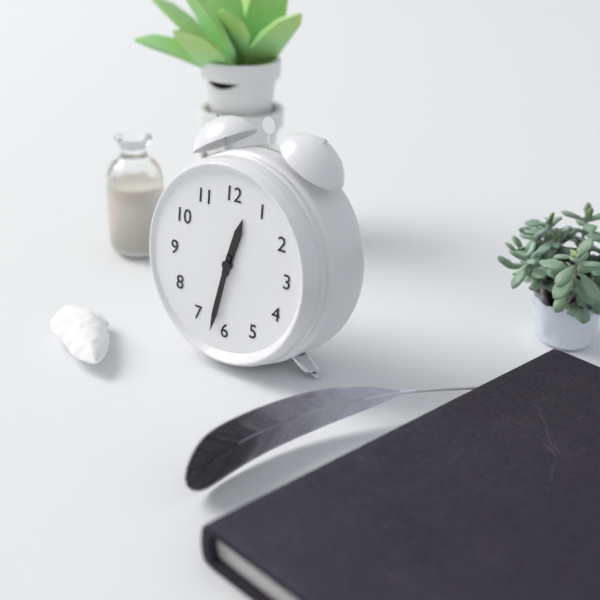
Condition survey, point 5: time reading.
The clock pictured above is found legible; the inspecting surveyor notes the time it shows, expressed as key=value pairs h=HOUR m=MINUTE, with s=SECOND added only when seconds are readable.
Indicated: h=12 m=32
